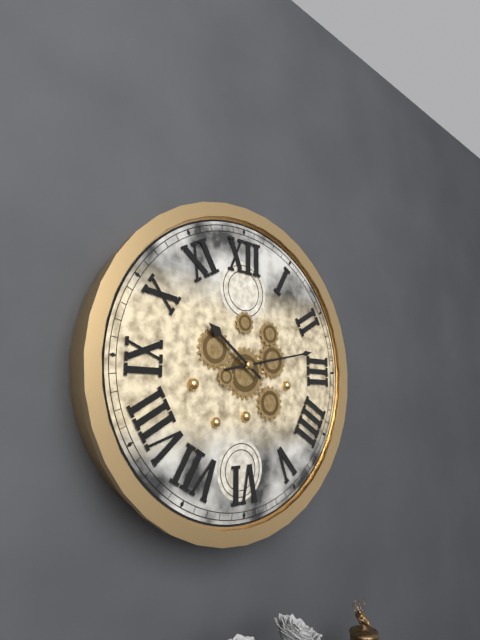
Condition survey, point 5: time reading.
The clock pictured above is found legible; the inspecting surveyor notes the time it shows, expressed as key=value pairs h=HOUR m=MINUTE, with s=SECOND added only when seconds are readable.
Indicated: h=10 m=13
